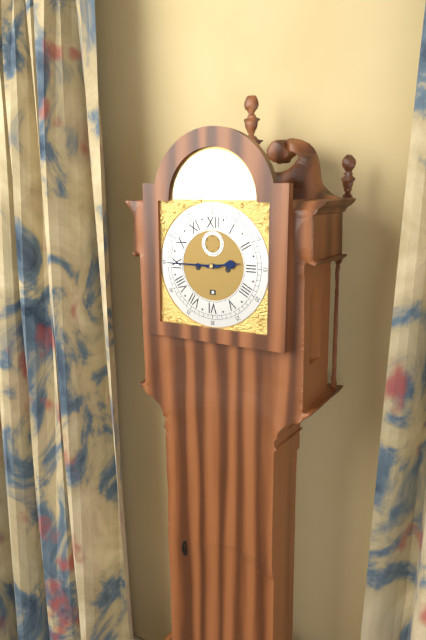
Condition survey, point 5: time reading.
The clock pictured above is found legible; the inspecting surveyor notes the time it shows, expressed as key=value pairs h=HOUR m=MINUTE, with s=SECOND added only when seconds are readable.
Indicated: h=2 m=45
